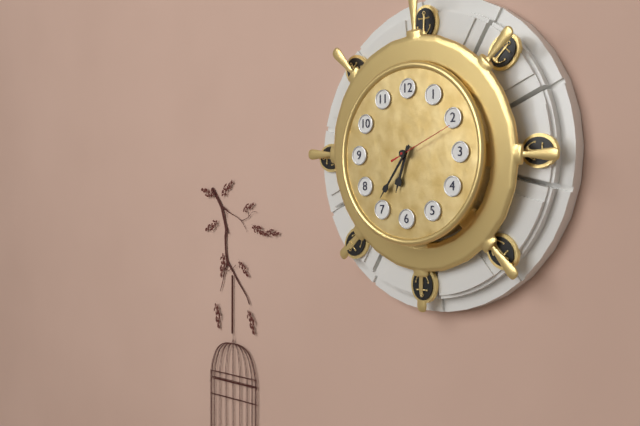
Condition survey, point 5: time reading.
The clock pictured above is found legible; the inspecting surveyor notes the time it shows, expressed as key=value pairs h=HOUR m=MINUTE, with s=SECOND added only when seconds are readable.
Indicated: h=6 m=36 s=11
